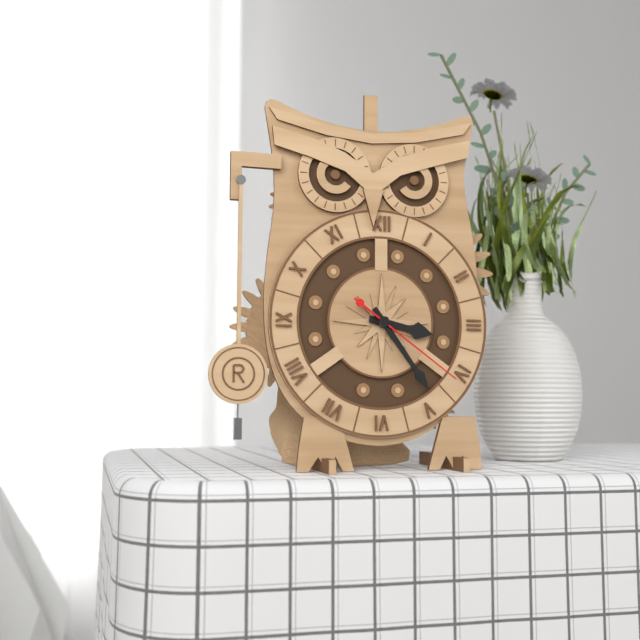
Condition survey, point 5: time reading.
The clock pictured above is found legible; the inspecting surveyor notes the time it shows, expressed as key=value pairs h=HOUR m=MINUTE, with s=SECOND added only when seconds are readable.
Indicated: h=3 m=24 s=21
